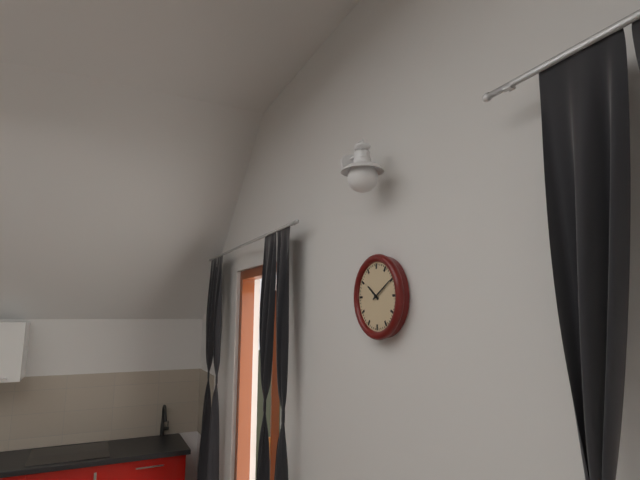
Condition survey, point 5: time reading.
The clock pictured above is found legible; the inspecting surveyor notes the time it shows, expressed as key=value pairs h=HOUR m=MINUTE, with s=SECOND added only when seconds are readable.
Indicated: h=10 m=10
